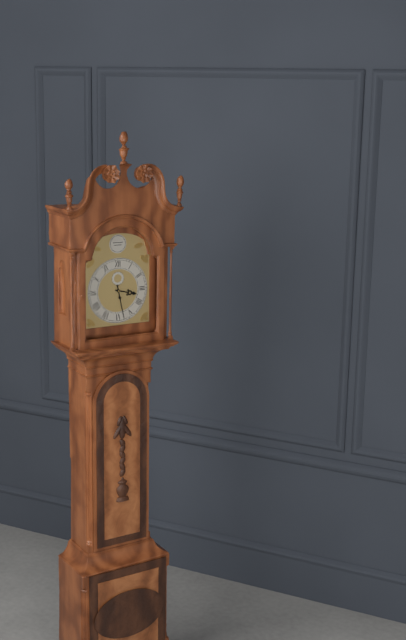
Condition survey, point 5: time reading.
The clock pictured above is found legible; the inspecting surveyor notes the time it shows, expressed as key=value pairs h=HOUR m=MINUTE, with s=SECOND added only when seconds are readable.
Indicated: h=3 m=28
